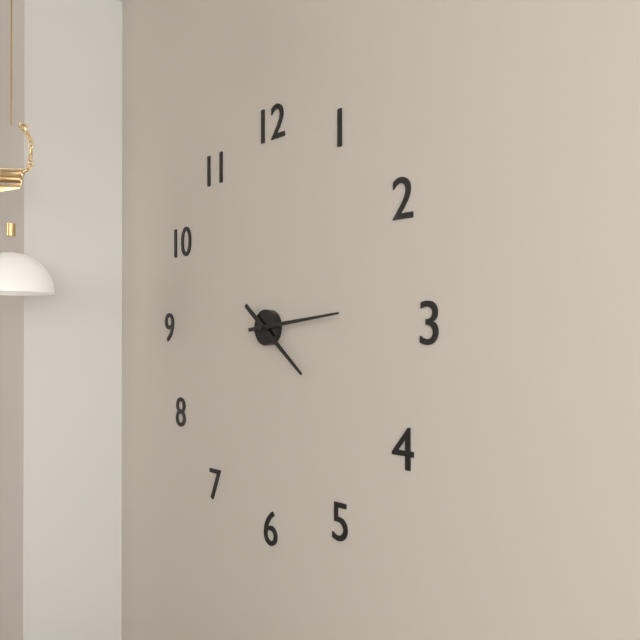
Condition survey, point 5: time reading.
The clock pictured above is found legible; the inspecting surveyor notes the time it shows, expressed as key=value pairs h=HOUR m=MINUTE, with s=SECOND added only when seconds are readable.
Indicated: h=4 m=14
